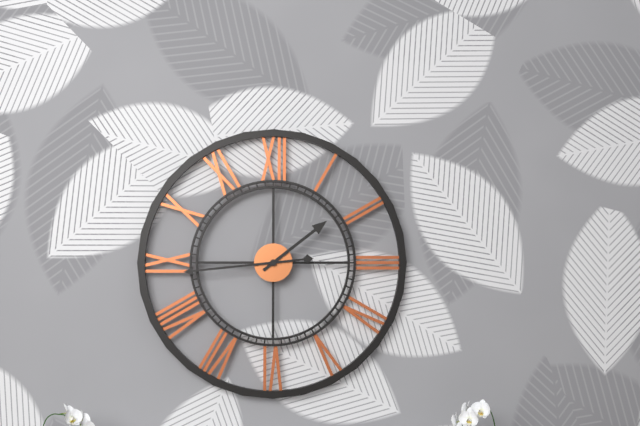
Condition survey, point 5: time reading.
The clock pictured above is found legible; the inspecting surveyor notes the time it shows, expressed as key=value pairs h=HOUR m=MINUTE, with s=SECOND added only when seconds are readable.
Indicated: h=1 m=44
